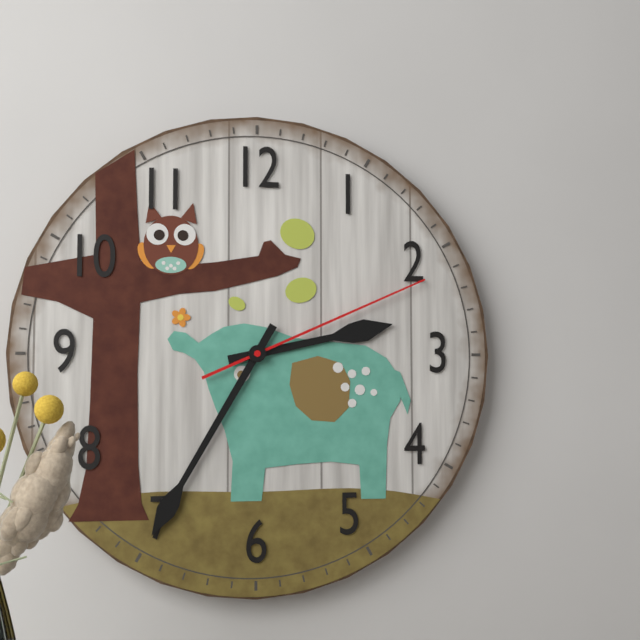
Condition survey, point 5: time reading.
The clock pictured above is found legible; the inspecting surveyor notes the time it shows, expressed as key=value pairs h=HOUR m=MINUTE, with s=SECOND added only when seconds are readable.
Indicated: h=2 m=35 s=11
